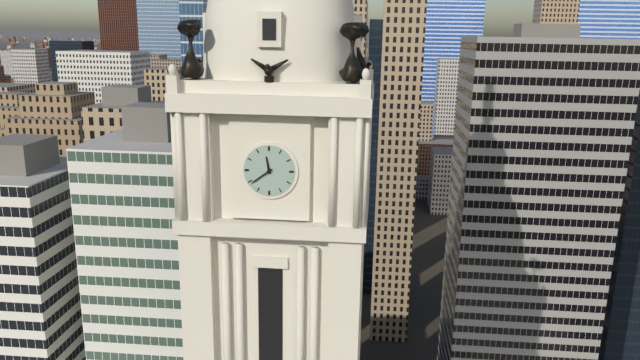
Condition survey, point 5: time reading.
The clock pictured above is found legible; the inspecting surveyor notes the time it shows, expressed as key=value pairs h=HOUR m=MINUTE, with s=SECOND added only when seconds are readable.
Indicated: h=11 m=39
